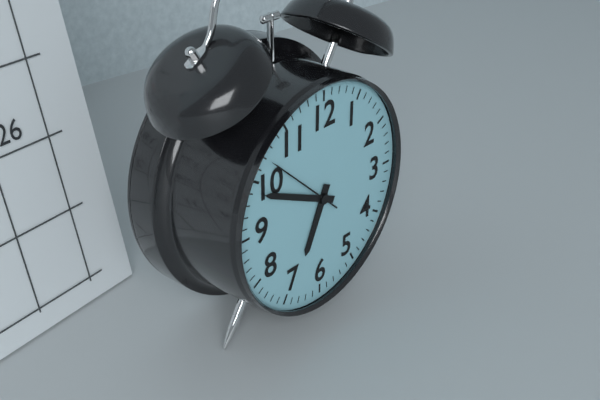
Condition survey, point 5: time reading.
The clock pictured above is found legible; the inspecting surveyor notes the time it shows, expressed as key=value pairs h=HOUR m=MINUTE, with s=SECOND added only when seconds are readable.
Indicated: h=6 m=49
